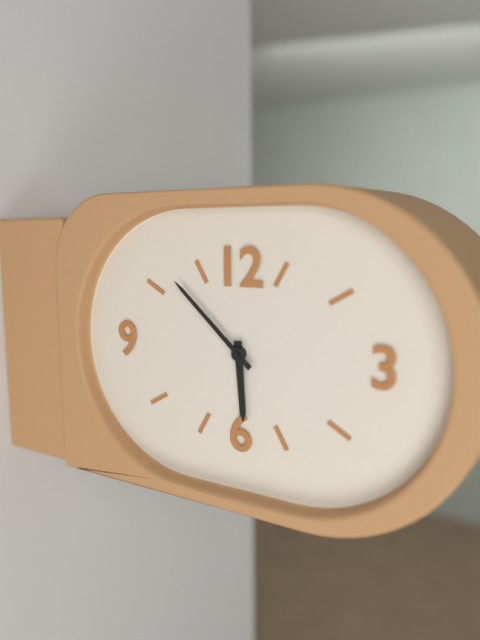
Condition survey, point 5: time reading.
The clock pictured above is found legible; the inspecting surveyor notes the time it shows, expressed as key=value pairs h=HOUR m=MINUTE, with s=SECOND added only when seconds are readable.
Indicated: h=5 m=52
